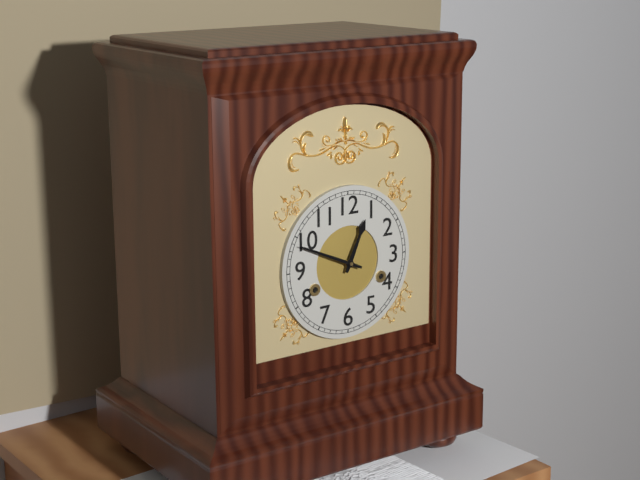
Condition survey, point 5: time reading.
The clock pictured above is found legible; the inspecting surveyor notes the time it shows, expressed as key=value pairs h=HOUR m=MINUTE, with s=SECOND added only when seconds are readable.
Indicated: h=12 m=49
